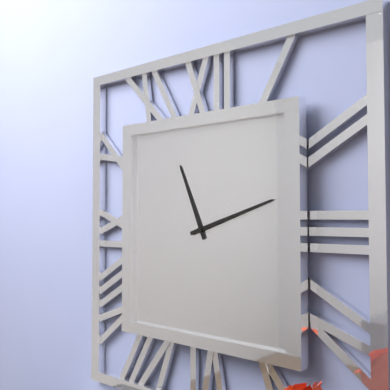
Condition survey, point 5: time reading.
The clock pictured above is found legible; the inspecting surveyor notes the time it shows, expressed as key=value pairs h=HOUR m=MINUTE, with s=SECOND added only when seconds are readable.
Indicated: h=11 m=12
